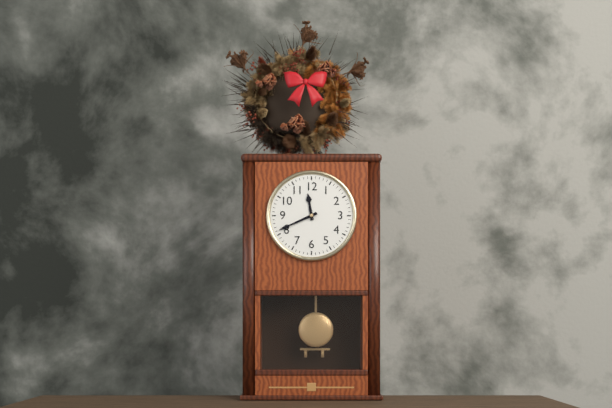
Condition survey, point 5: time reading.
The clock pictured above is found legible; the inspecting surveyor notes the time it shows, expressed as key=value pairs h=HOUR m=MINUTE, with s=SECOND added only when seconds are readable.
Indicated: h=11 m=41
